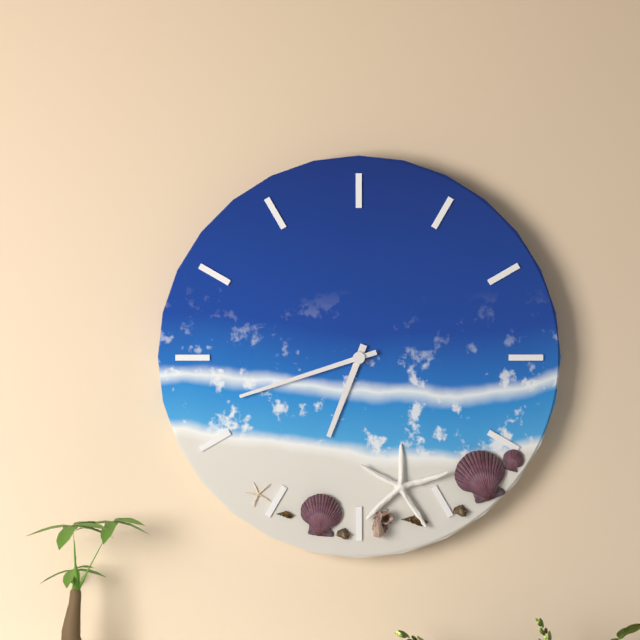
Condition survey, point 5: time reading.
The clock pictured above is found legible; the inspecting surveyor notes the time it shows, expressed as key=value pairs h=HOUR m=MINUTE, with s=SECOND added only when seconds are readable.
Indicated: h=6 m=42
